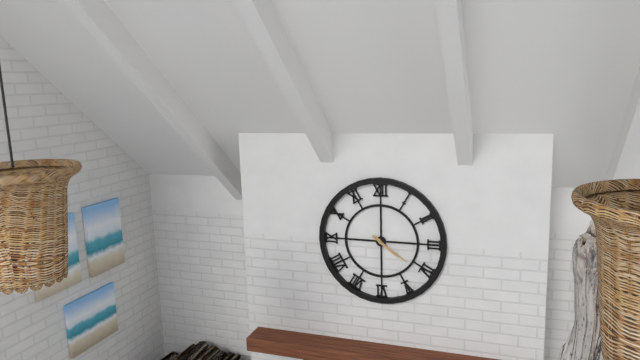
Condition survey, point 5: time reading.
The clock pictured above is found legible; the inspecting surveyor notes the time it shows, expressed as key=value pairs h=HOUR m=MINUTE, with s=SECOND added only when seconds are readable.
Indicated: h=4 m=21
